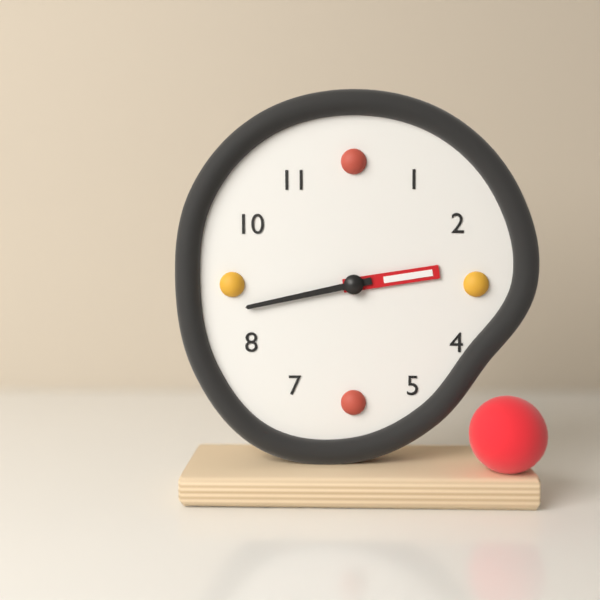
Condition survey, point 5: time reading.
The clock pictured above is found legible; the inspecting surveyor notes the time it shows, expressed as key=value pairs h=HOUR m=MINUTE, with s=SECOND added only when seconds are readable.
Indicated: h=2 m=43
